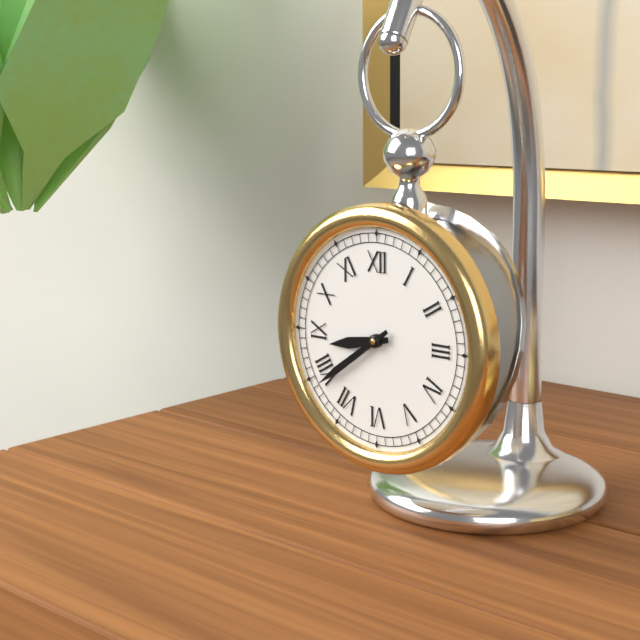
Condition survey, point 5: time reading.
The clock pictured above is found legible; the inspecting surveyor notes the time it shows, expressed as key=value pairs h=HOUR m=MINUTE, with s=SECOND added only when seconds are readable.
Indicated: h=8 m=39
